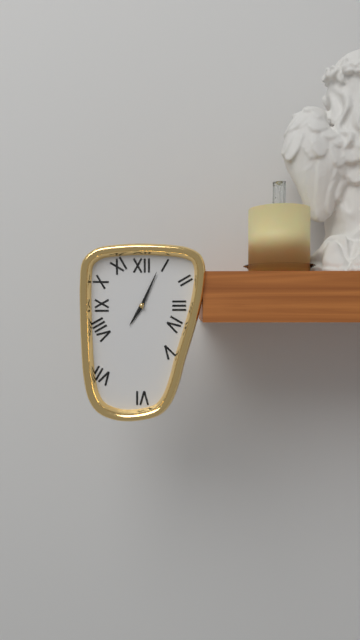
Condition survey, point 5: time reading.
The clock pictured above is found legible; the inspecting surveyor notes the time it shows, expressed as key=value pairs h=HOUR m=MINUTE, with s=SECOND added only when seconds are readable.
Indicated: h=7 m=4
